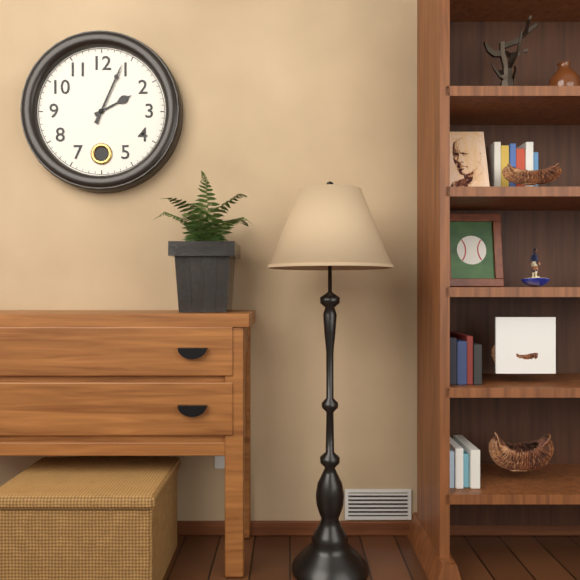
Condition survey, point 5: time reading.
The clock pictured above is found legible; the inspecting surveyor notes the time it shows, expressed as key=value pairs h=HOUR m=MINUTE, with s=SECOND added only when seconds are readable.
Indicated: h=2 m=4
